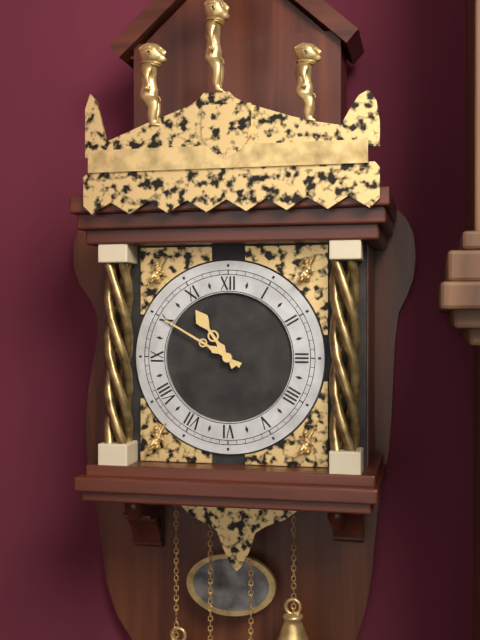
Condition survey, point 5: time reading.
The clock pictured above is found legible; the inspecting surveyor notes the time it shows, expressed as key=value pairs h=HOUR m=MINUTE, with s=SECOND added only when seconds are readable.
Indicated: h=10 m=50
